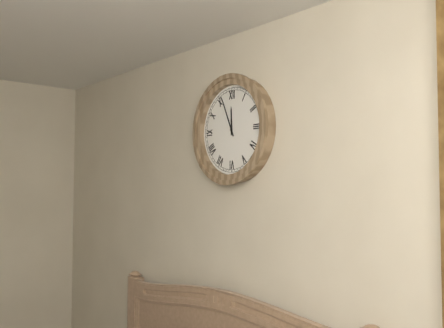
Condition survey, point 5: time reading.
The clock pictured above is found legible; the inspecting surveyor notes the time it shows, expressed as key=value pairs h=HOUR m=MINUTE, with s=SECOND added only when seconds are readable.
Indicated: h=11 m=56
